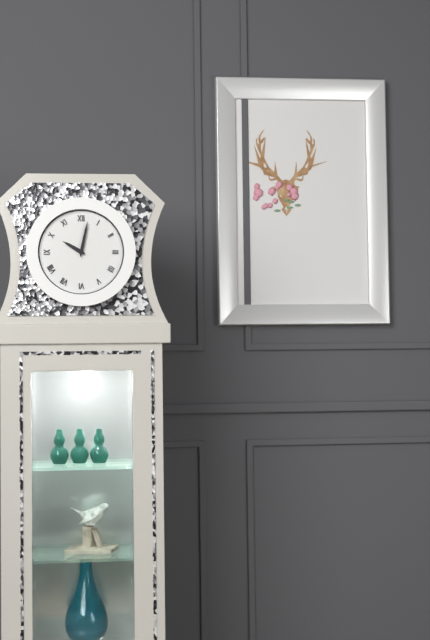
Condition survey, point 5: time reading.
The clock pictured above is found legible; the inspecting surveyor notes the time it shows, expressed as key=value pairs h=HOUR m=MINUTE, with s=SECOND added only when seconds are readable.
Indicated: h=10 m=2
